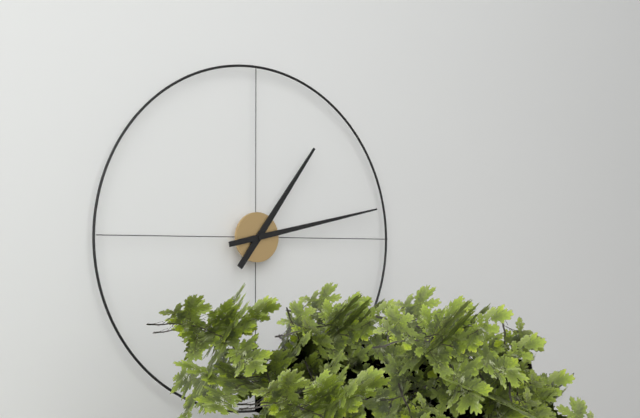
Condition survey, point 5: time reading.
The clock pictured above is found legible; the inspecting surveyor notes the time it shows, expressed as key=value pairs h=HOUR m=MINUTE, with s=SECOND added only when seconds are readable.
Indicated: h=1 m=13
